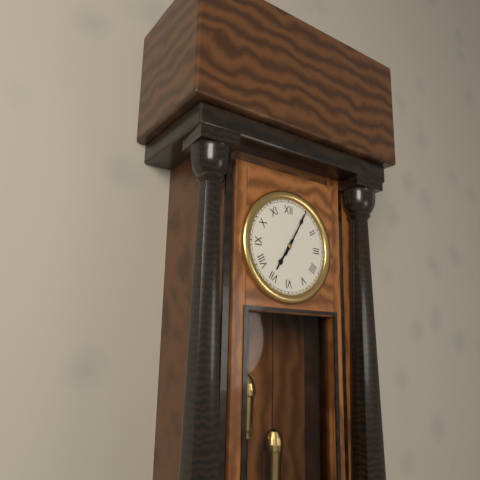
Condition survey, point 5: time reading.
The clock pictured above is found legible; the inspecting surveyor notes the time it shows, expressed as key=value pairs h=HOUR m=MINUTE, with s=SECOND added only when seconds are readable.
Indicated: h=7 m=5
